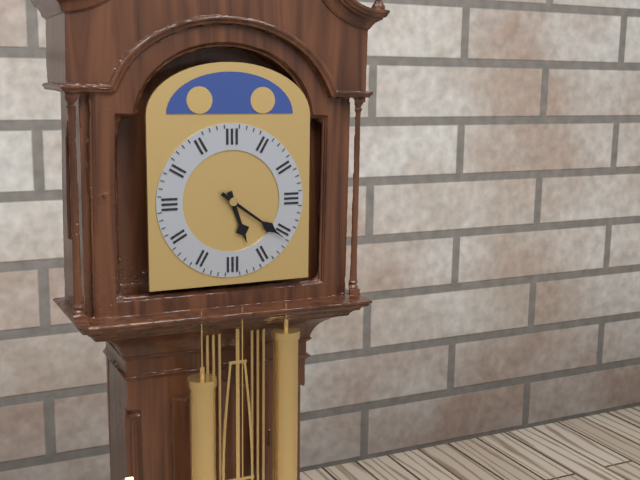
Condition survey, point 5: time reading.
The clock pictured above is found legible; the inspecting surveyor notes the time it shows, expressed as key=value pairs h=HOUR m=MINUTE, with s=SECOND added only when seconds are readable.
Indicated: h=5 m=21
